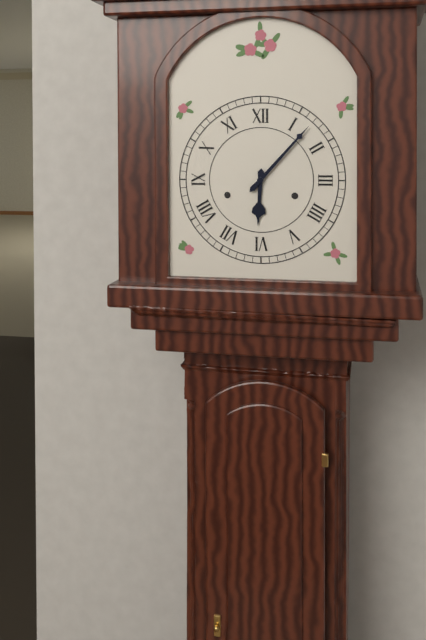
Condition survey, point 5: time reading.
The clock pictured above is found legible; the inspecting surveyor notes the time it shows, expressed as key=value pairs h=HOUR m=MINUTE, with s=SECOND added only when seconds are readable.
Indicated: h=6 m=7
